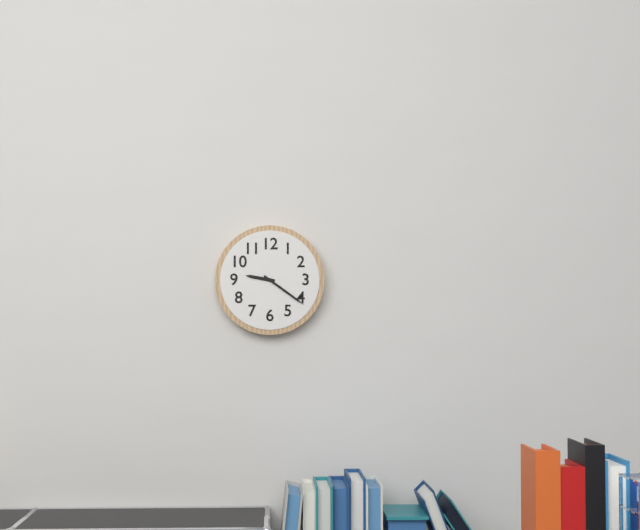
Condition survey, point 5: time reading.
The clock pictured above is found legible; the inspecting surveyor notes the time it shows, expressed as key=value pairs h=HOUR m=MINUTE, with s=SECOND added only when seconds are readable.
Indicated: h=9 m=21
